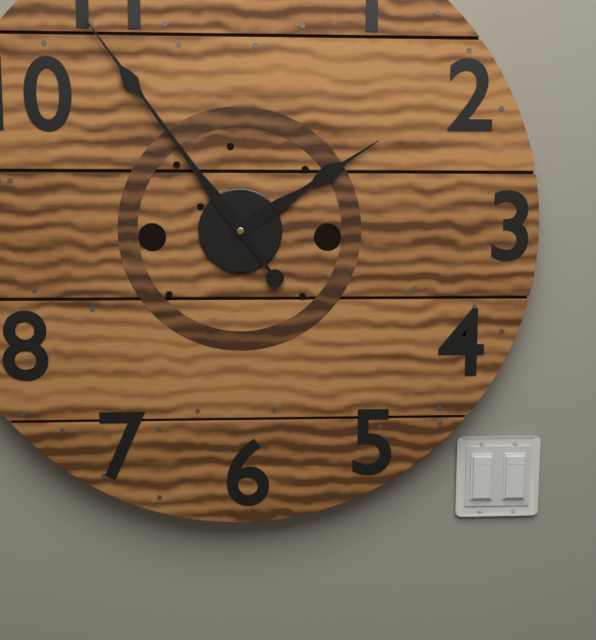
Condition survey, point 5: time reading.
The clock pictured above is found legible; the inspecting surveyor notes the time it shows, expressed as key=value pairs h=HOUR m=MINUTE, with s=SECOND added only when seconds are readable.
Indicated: h=1 m=54
